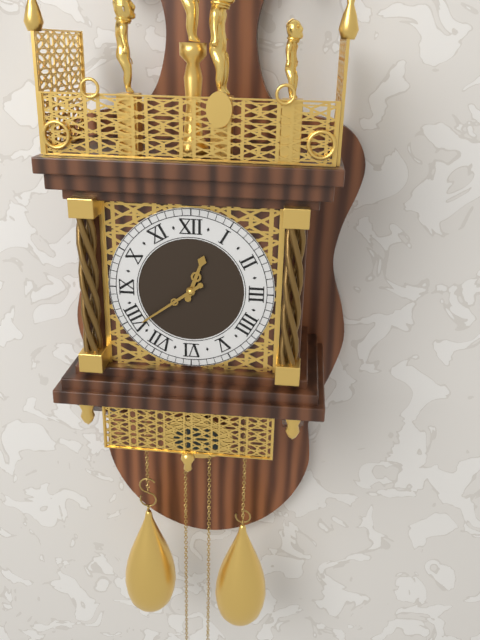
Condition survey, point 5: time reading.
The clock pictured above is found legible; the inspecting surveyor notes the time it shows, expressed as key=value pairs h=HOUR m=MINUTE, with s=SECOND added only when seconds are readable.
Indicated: h=12 m=39
